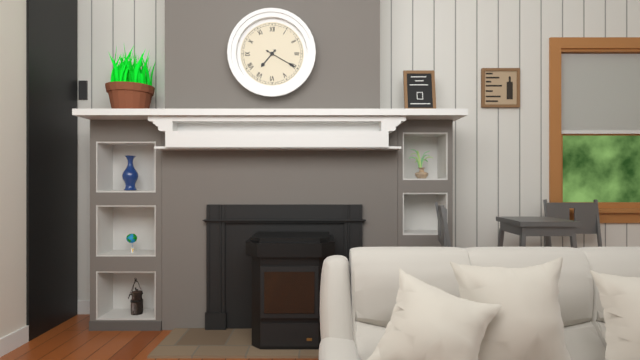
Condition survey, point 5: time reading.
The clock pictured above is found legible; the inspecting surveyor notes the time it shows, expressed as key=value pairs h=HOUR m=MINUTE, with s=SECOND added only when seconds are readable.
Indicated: h=7 m=20
